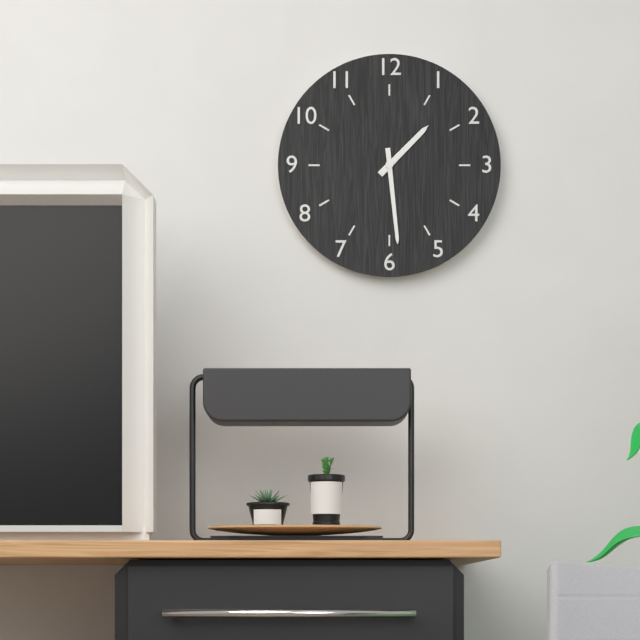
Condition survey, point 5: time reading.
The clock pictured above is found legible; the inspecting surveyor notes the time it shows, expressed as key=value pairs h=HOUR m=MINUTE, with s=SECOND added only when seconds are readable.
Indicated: h=1 m=29
